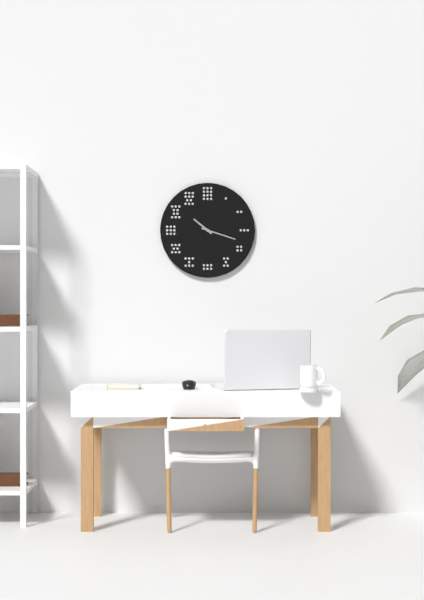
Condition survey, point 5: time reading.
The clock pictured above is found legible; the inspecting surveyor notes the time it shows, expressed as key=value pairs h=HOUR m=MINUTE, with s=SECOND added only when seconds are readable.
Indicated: h=10 m=18
